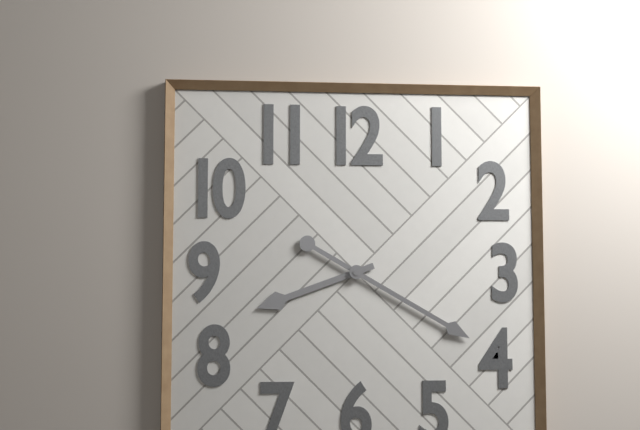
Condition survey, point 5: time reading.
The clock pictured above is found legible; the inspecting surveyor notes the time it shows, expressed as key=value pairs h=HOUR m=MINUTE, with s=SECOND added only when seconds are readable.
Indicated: h=8 m=20
